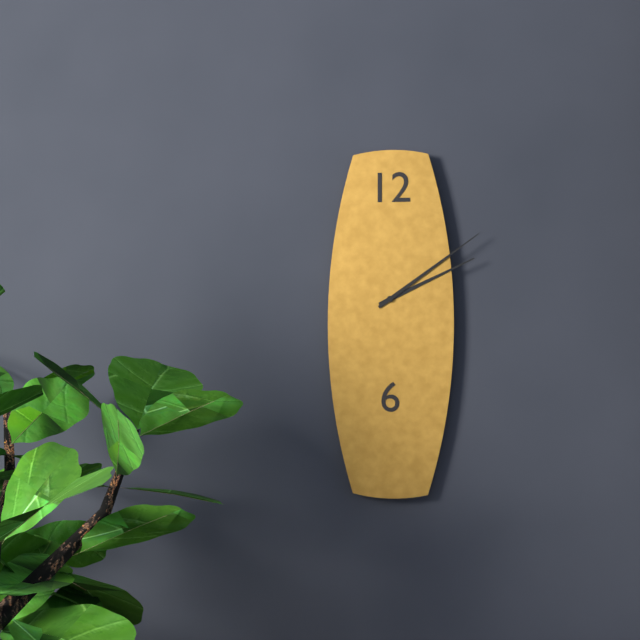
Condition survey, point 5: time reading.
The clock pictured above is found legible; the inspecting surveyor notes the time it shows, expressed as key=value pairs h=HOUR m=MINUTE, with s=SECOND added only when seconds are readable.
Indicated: h=2 m=9
